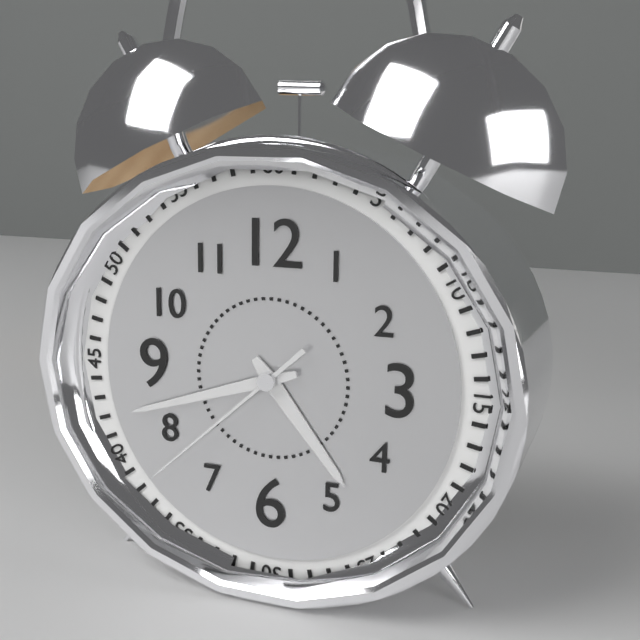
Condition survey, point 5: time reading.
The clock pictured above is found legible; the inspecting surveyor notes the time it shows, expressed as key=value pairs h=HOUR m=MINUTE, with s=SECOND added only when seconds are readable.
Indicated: h=4 m=42 s=38
